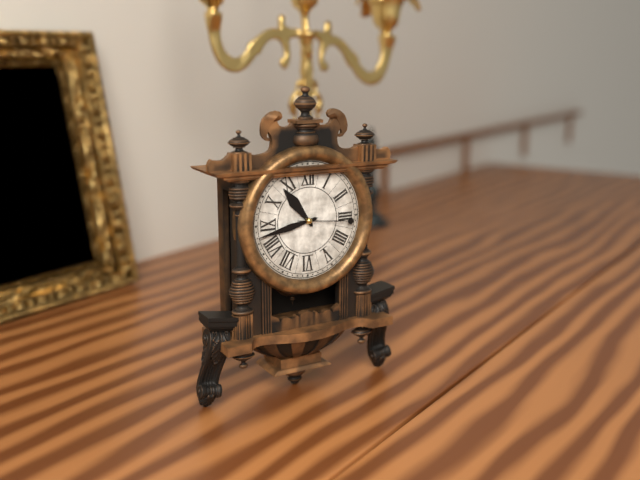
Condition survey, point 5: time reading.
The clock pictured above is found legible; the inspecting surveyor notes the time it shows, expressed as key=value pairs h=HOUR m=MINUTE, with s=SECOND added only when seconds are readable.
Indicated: h=10 m=43 s=16
